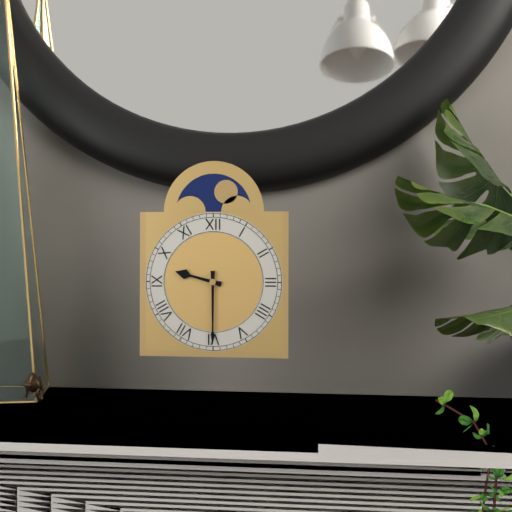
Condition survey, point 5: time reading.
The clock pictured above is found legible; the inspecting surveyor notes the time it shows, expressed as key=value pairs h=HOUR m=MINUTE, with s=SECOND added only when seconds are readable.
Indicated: h=9 m=30
